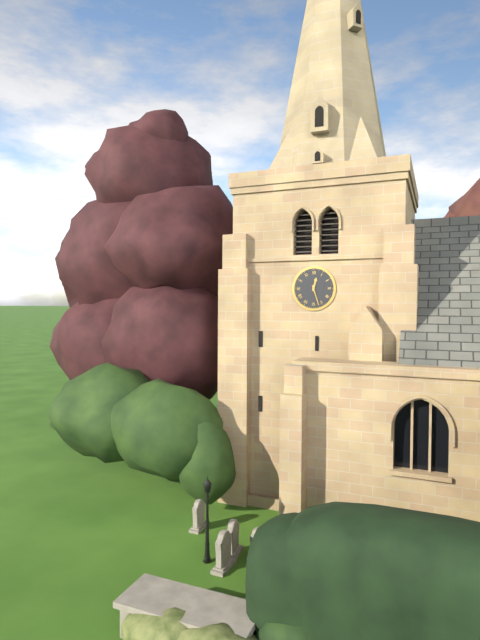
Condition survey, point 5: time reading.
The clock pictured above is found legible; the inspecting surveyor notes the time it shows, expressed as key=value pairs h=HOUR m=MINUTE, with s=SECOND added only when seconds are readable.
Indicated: h=12 m=27
